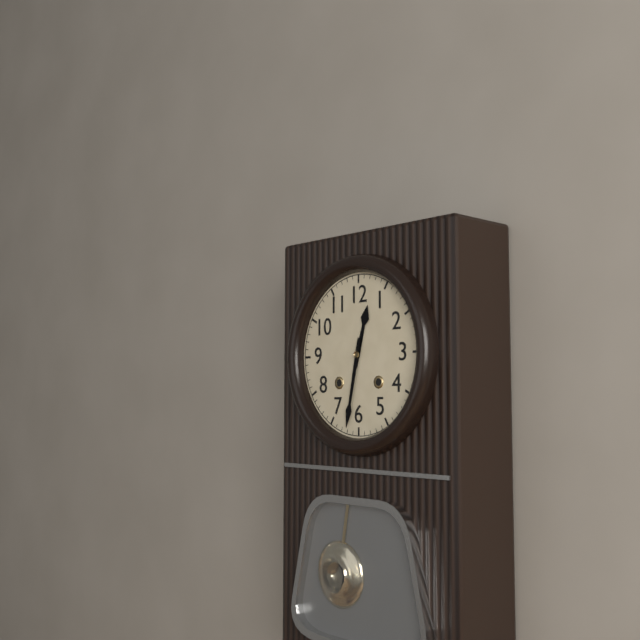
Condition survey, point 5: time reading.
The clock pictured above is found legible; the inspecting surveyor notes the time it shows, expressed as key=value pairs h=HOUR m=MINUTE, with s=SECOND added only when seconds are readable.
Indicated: h=12 m=32
